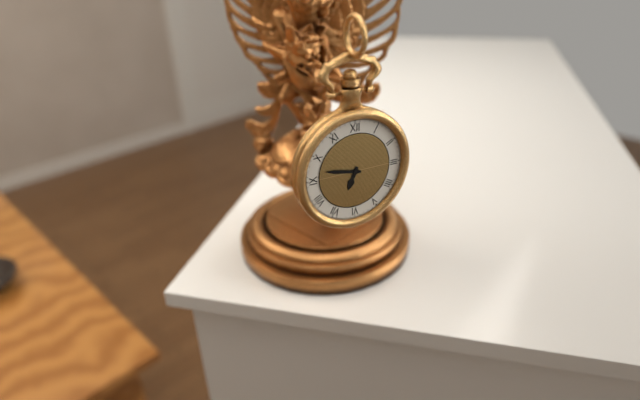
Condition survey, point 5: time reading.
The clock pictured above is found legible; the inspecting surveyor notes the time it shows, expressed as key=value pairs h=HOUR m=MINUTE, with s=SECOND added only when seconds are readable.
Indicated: h=6 m=47
